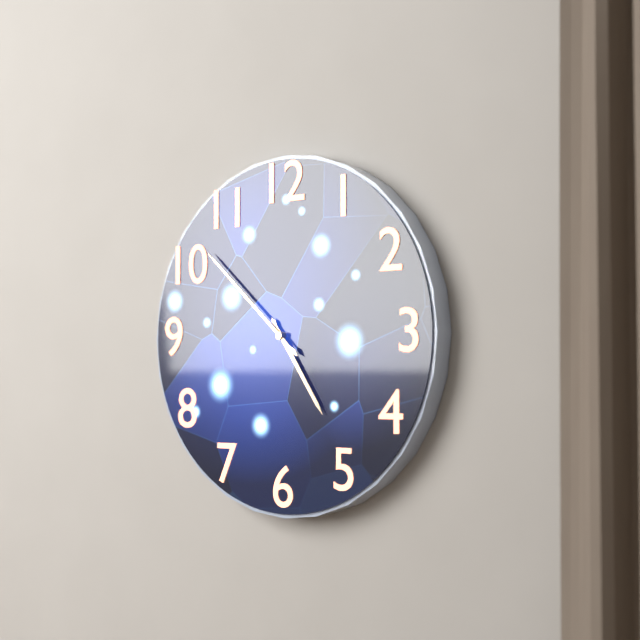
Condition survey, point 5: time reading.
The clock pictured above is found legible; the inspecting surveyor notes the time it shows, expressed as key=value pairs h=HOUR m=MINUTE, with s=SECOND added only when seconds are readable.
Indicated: h=4 m=52
